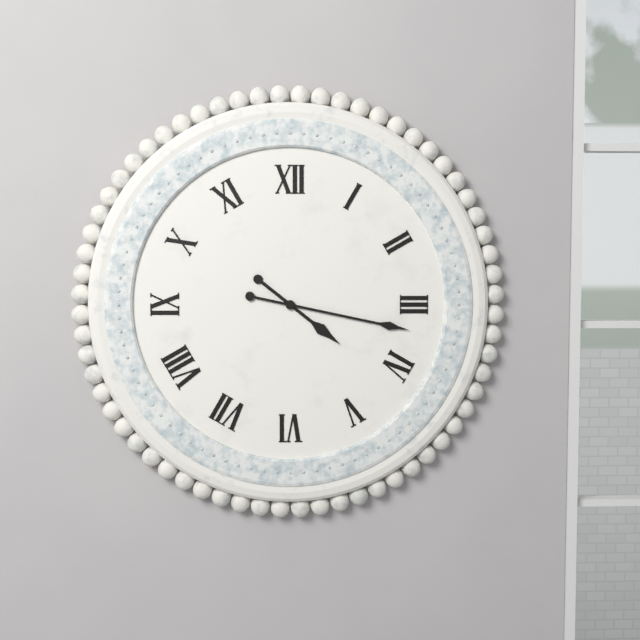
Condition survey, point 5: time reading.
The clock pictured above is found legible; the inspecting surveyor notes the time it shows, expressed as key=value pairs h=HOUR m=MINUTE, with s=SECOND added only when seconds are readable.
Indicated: h=4 m=17
